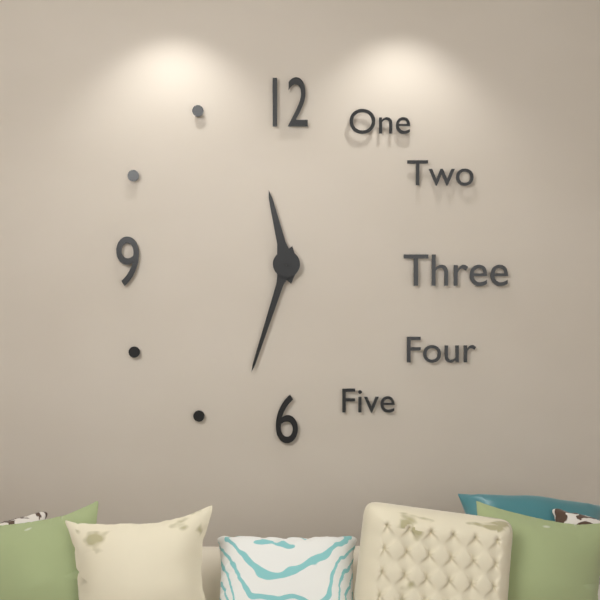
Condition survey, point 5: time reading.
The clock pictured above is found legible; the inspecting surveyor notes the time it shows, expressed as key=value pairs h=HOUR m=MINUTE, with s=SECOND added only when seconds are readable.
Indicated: h=11 m=33
